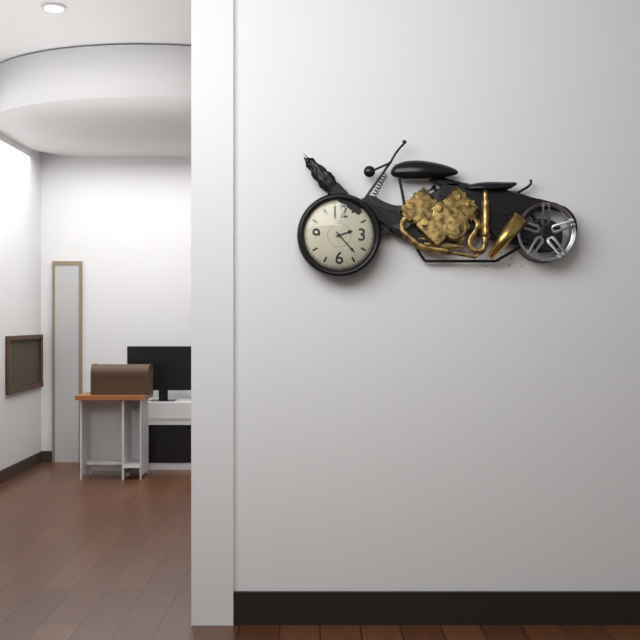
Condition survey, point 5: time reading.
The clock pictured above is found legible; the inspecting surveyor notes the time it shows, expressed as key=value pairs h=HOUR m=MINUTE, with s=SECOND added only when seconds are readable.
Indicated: h=2 m=23
